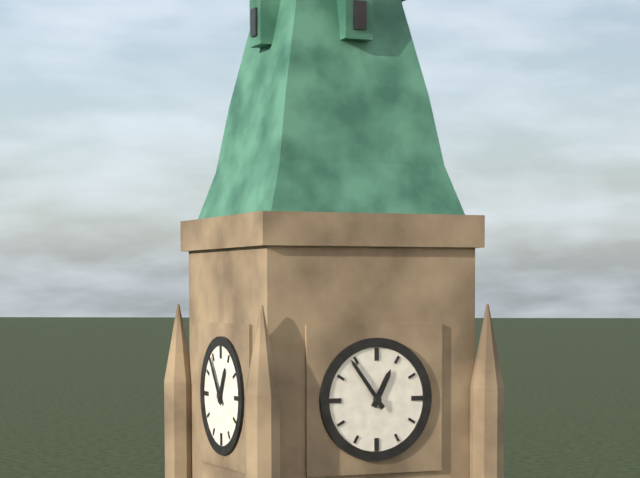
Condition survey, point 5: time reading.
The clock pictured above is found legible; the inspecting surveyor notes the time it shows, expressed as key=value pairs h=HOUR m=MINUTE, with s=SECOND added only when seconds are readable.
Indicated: h=12 m=54
